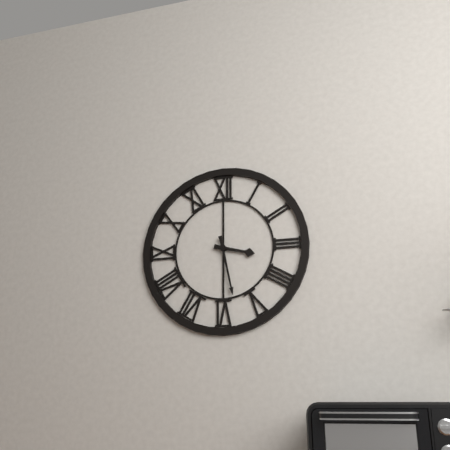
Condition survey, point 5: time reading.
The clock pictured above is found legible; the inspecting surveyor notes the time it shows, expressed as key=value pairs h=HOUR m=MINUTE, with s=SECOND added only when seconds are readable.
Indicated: h=3 m=28
